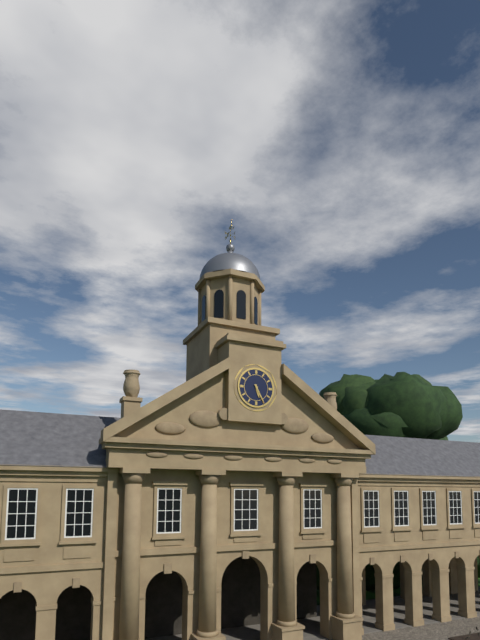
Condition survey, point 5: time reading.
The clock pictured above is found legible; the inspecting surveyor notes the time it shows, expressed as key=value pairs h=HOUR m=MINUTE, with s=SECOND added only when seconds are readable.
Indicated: h=5 m=25
